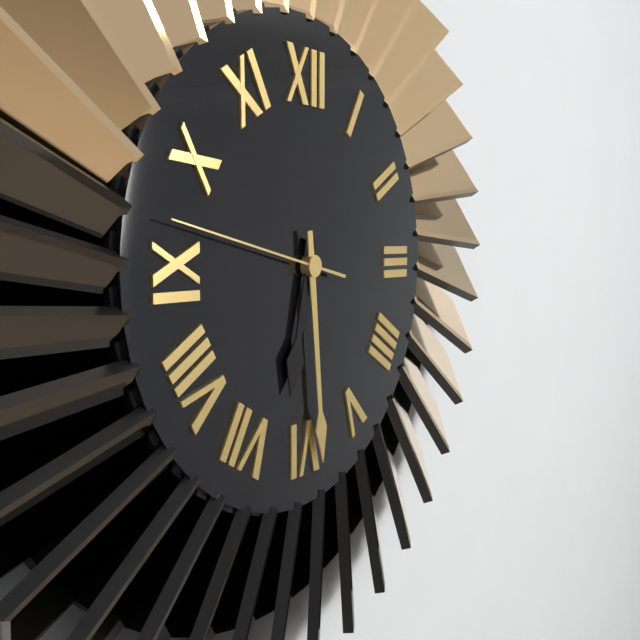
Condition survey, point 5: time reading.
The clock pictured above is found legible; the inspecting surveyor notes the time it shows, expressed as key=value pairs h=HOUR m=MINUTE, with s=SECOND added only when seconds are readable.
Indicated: h=6 m=29 s=47
